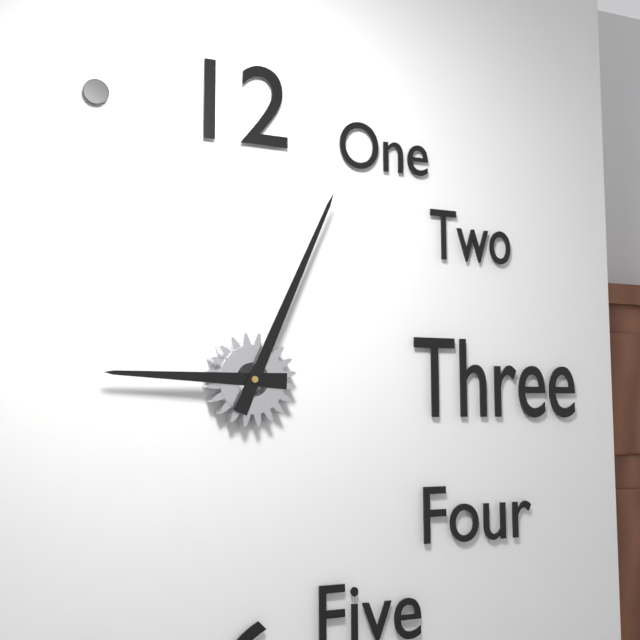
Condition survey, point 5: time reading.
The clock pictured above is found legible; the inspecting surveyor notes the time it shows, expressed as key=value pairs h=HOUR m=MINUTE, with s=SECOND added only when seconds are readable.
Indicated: h=9 m=4
